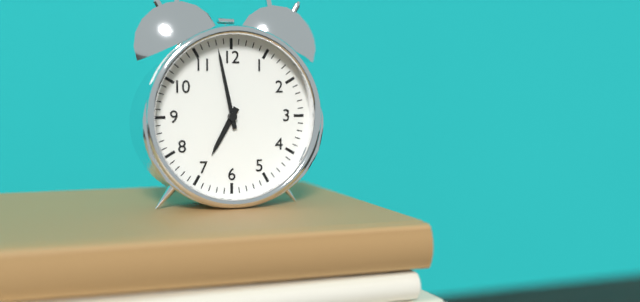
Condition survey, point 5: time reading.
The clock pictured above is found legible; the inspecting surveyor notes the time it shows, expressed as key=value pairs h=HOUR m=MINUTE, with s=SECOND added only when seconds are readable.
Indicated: h=6 m=58
